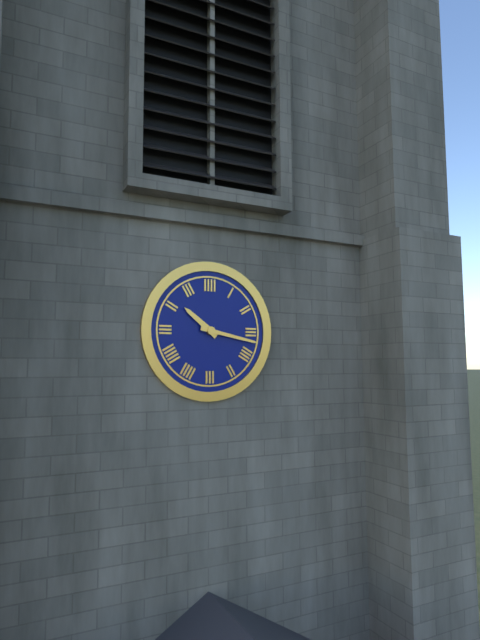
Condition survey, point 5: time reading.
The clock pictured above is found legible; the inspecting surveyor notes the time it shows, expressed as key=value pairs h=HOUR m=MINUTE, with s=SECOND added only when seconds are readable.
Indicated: h=10 m=17
